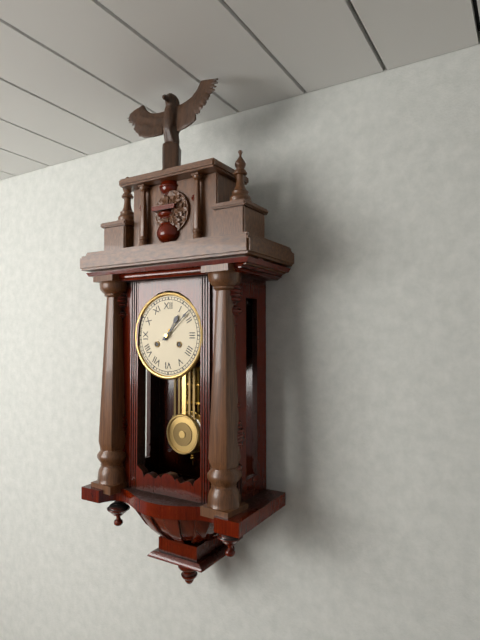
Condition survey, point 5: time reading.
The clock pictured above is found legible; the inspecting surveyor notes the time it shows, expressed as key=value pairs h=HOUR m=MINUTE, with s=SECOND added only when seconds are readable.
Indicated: h=1 m=8
